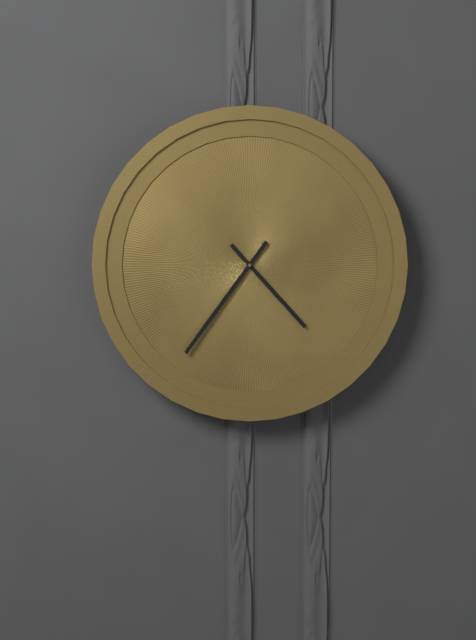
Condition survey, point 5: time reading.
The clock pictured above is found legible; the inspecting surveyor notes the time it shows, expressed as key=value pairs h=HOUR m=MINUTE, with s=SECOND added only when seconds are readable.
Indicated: h=4 m=36
